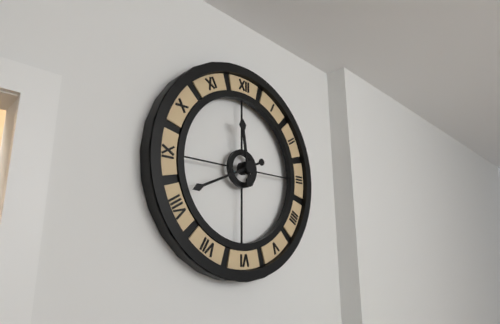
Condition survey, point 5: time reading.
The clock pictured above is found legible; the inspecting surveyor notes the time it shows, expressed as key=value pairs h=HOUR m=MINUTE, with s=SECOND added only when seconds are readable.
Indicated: h=11 m=41
